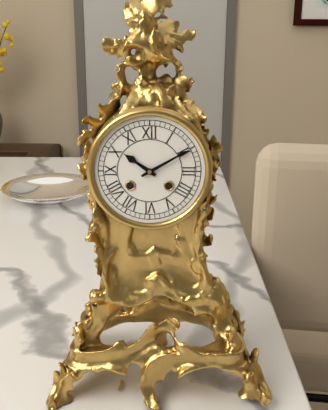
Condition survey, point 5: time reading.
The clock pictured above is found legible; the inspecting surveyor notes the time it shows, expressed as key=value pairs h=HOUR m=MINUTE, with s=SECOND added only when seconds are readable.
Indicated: h=10 m=10
